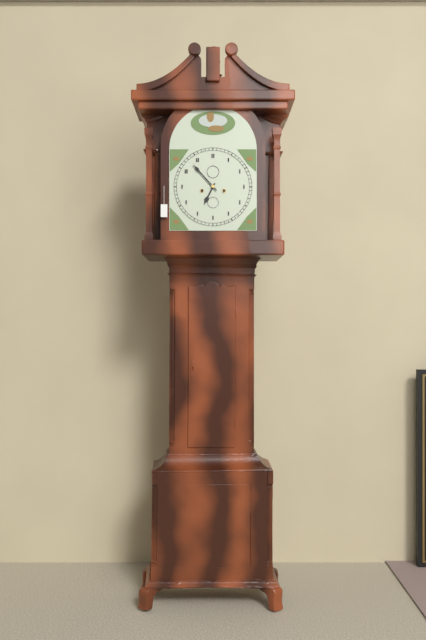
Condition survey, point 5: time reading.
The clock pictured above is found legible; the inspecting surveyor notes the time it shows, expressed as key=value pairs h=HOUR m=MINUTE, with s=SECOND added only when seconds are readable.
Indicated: h=6 m=53
